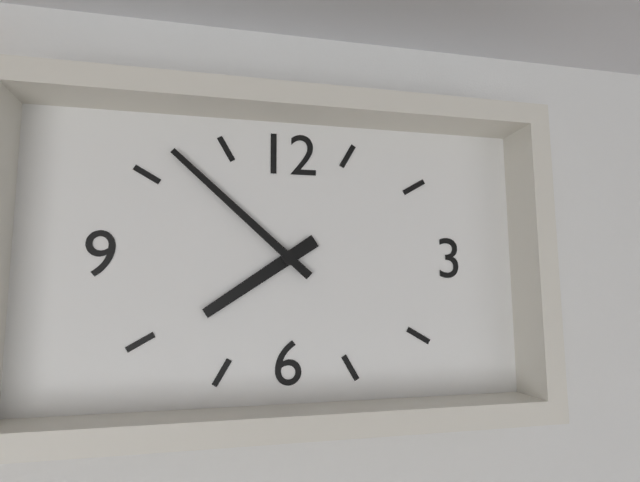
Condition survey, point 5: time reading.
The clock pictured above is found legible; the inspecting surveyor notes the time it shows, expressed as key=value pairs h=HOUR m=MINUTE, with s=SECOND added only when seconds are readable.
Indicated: h=7 m=52
